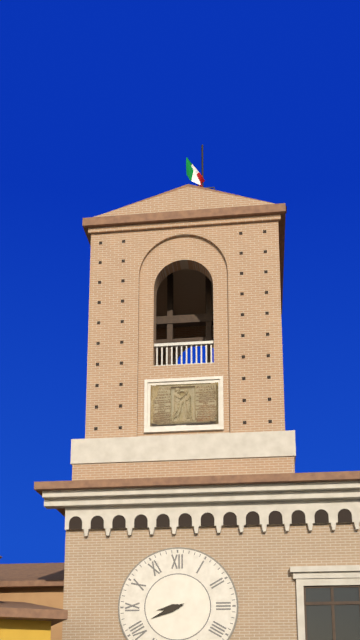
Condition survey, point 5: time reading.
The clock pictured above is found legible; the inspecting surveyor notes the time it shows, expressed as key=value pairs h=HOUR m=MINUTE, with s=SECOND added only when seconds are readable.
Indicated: h=8 m=41
